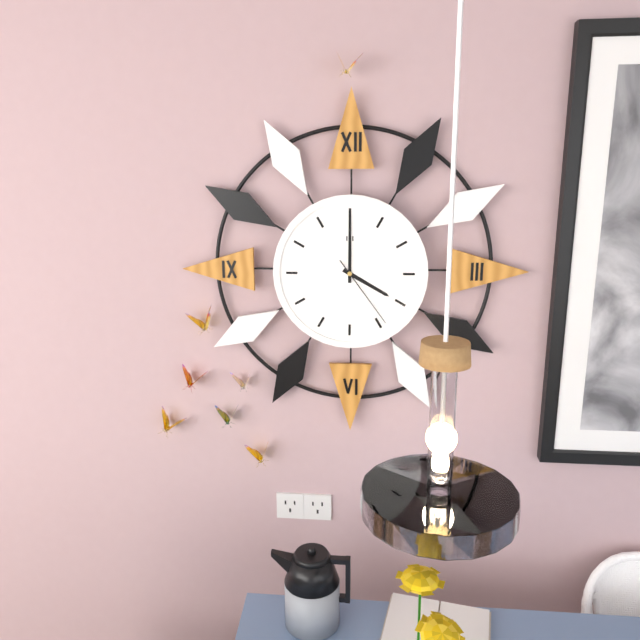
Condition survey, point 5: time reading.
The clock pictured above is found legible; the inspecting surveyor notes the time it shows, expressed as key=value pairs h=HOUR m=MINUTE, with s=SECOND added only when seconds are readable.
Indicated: h=4 m=0 s=24
